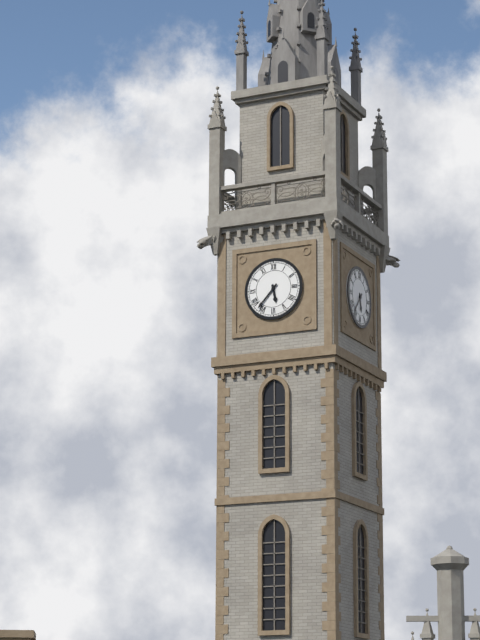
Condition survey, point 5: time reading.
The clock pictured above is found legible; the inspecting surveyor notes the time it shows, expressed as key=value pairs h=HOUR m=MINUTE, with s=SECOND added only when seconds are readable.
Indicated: h=5 m=37
